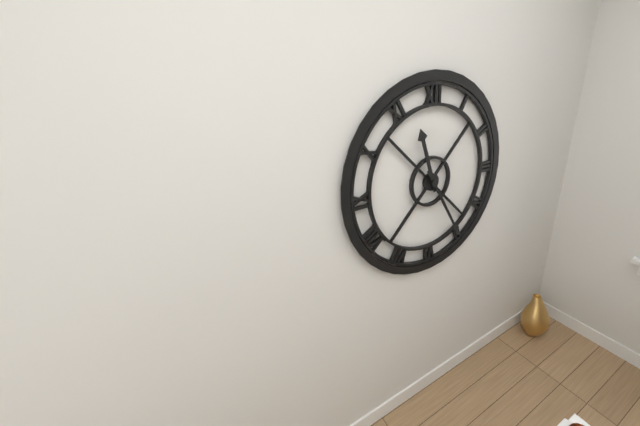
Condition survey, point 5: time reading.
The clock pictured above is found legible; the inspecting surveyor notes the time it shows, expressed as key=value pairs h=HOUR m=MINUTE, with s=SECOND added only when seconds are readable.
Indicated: h=11 m=25
